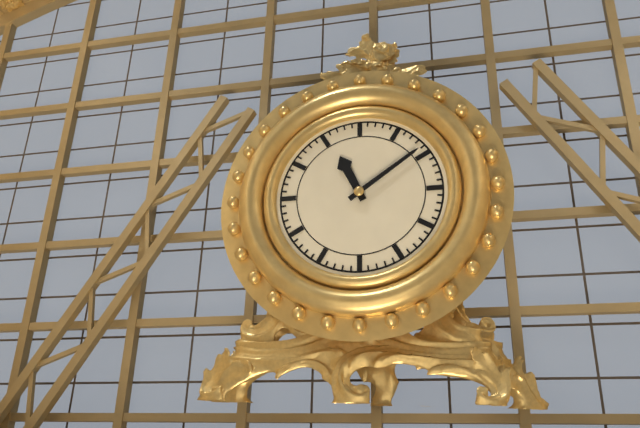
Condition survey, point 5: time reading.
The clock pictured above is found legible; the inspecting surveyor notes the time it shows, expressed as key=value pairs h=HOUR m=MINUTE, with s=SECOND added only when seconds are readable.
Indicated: h=11 m=9
